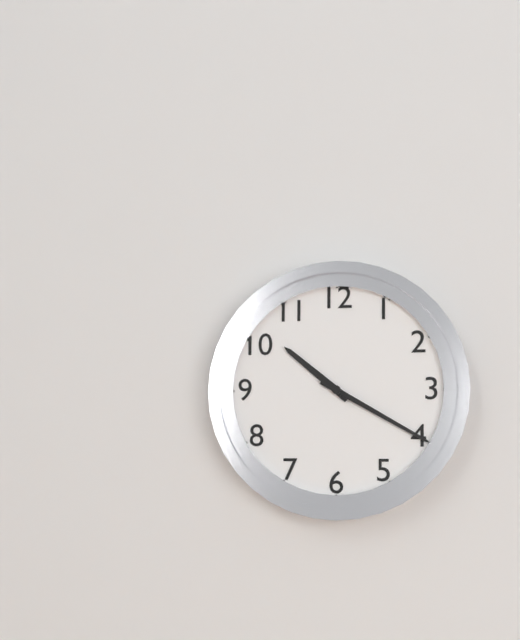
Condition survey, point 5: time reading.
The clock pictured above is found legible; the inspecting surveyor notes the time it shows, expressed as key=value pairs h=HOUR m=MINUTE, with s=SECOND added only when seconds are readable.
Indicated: h=10 m=20
